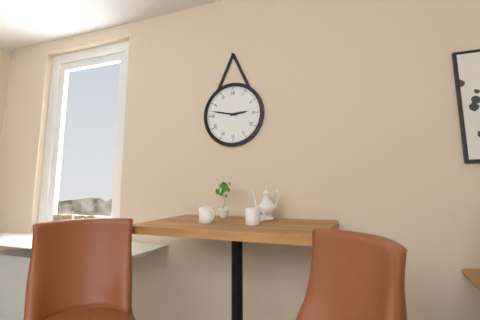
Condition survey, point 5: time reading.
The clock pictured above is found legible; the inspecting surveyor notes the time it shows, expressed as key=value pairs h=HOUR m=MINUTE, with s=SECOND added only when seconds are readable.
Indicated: h=2 m=47
